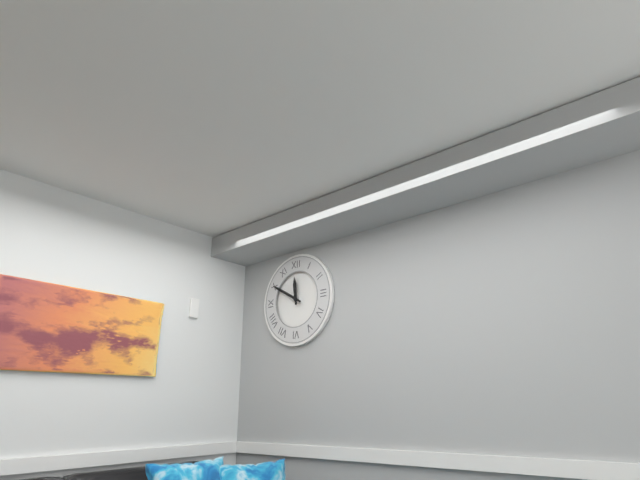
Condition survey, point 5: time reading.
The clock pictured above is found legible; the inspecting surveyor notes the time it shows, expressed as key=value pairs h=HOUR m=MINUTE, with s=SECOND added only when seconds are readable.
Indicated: h=11 m=50
